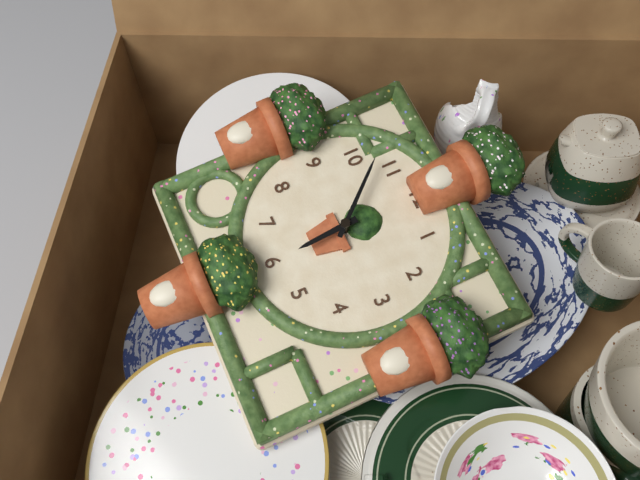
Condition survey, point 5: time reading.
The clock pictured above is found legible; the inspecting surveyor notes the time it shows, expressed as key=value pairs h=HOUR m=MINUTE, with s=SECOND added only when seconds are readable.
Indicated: h=5 m=53
